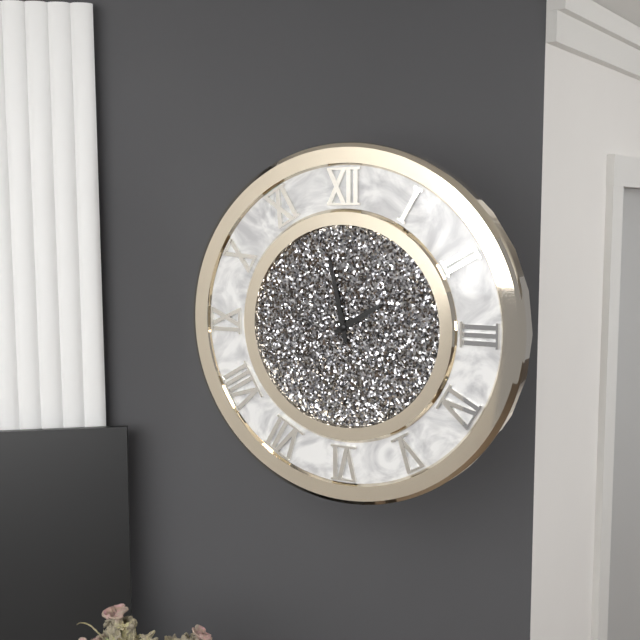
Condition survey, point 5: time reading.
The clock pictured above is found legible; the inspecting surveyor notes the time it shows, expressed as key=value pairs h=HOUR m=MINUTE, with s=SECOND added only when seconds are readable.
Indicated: h=1 m=58
